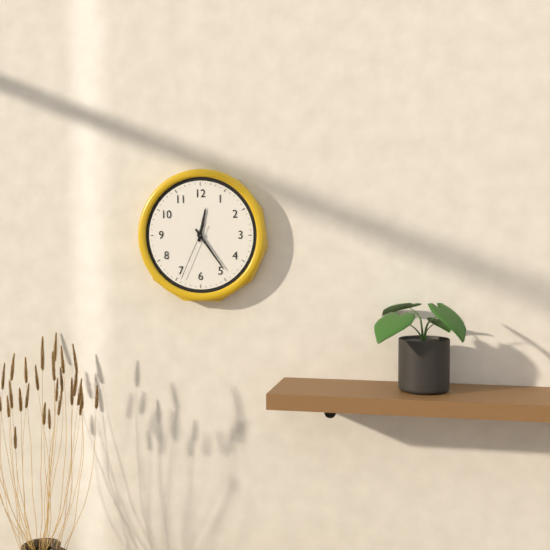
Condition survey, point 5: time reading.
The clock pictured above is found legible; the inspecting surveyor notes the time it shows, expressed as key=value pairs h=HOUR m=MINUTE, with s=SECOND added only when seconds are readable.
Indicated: h=12 m=24 s=34
